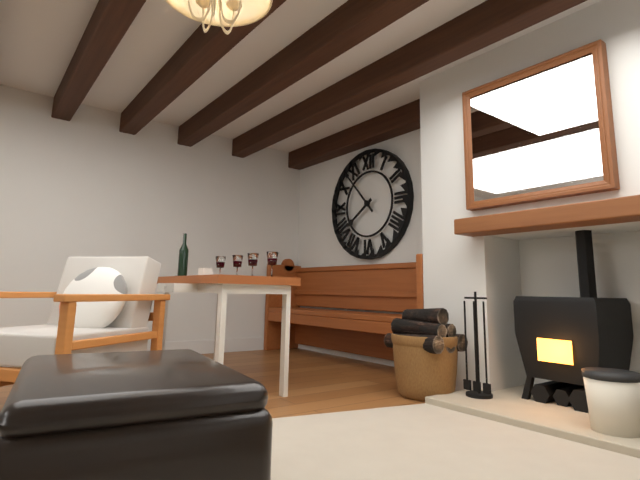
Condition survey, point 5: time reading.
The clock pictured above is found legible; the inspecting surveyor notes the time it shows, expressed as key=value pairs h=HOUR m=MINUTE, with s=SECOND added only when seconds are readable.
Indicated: h=7 m=53
